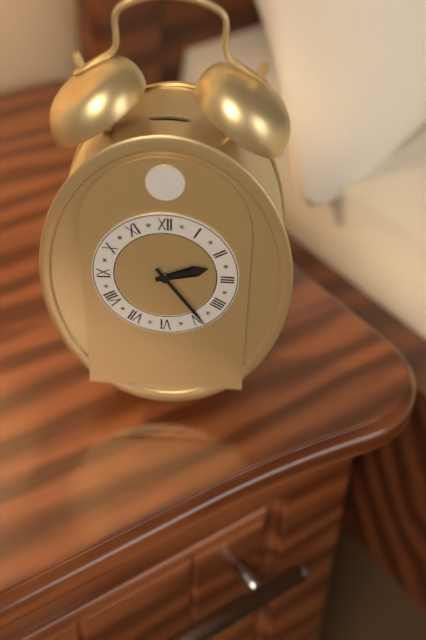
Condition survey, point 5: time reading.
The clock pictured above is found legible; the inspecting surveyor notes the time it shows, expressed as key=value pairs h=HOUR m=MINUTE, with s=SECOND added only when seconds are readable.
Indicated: h=2 m=24
